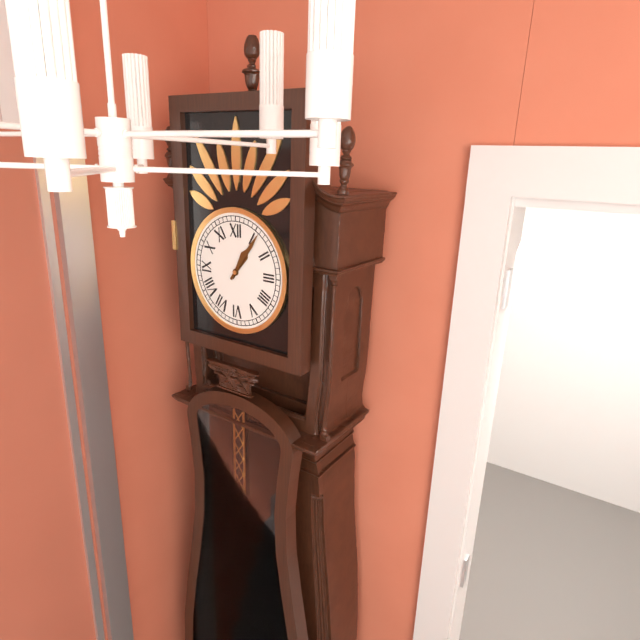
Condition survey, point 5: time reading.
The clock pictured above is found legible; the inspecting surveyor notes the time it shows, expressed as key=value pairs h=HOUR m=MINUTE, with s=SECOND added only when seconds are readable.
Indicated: h=1 m=6
